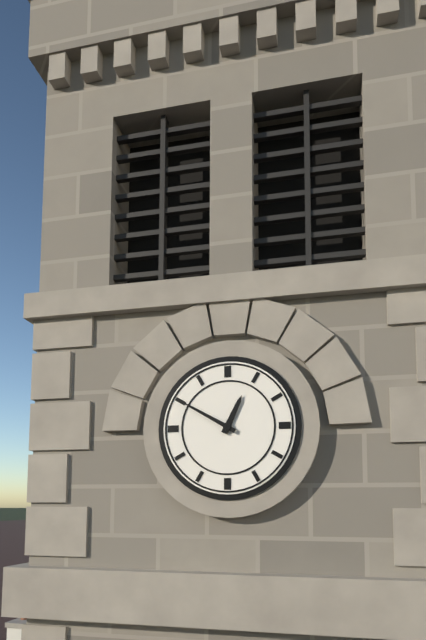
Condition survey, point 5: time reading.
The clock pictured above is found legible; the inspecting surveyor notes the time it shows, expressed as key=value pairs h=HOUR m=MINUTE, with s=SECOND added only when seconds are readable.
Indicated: h=12 m=50
